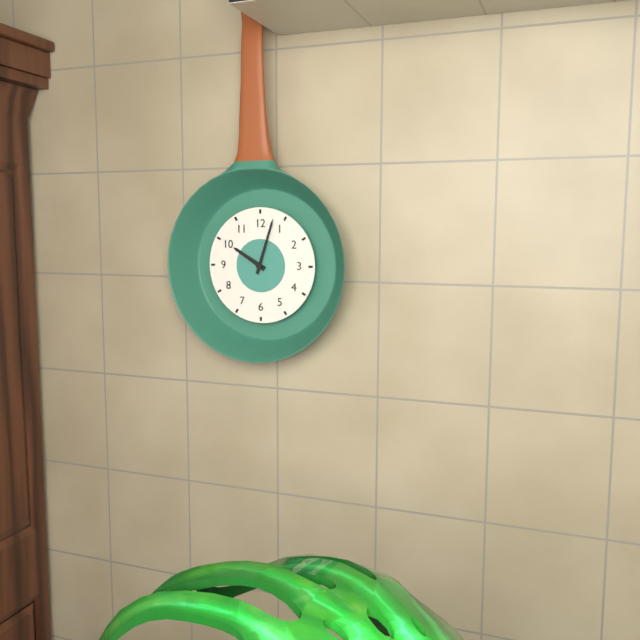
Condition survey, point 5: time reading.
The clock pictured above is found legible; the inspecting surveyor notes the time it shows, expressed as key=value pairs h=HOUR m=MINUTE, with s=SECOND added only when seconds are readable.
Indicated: h=10 m=3
